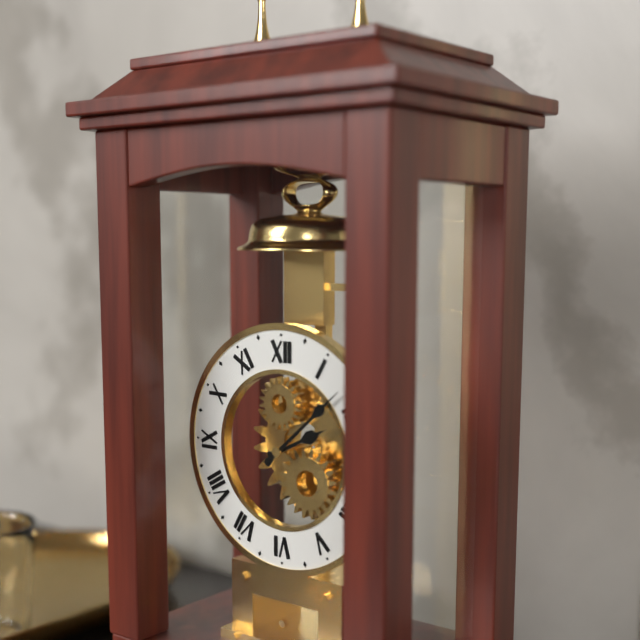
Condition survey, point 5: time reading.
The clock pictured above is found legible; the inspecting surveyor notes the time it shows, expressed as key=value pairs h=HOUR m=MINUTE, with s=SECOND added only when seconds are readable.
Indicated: h=2 m=8
